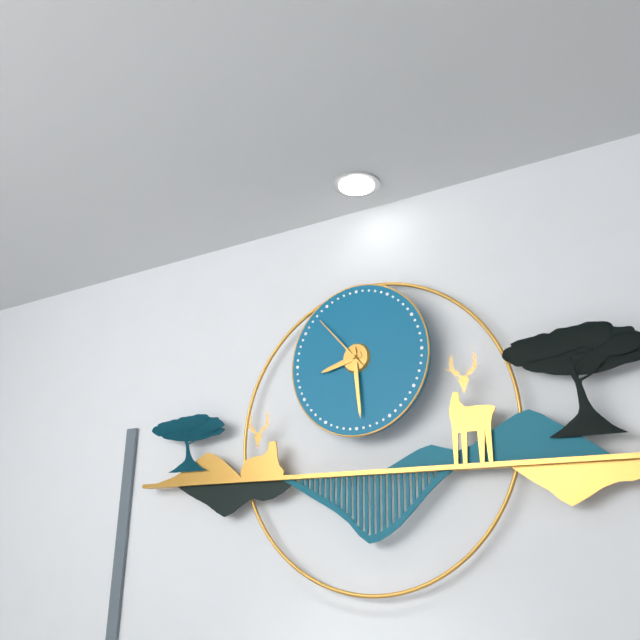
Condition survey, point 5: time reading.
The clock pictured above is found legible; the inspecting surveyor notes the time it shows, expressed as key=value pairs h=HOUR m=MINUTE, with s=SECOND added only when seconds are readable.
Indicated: h=8 m=29 s=53
